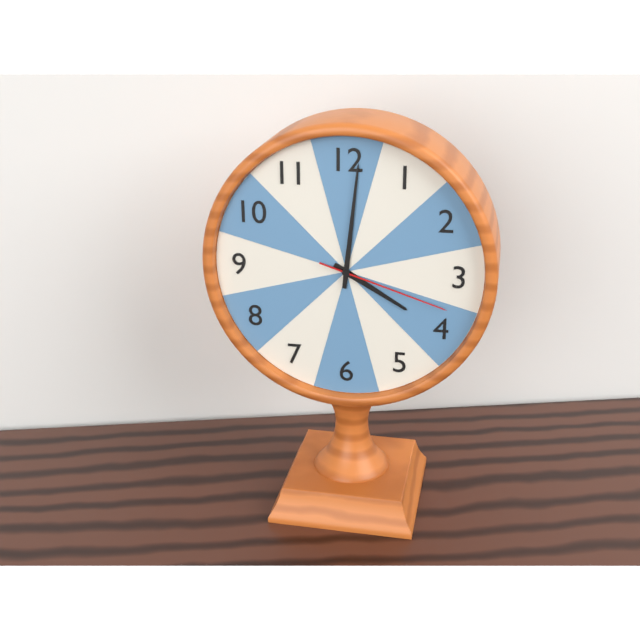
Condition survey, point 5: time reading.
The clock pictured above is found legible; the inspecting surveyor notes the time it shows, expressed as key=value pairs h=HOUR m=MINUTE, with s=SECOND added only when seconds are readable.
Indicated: h=4 m=1 s=18
